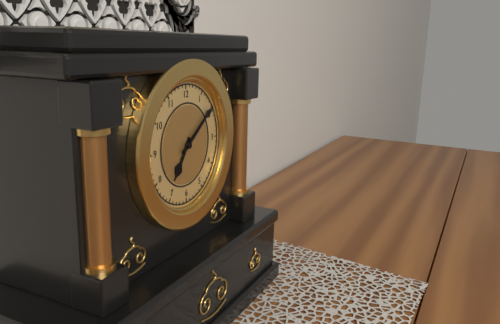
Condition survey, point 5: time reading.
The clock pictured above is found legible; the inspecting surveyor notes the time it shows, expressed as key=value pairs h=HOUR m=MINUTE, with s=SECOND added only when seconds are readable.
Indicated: h=7 m=9
